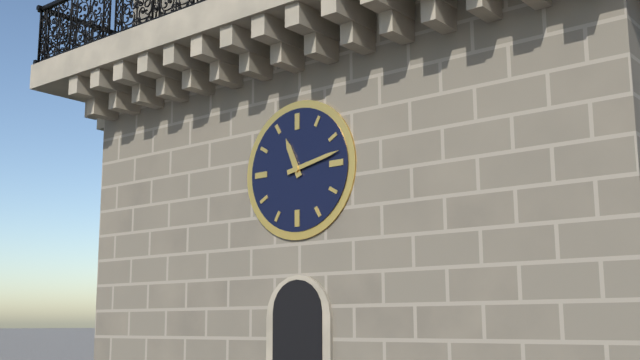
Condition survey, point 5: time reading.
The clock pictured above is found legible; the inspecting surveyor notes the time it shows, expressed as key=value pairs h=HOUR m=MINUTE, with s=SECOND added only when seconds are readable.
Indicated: h=11 m=13
